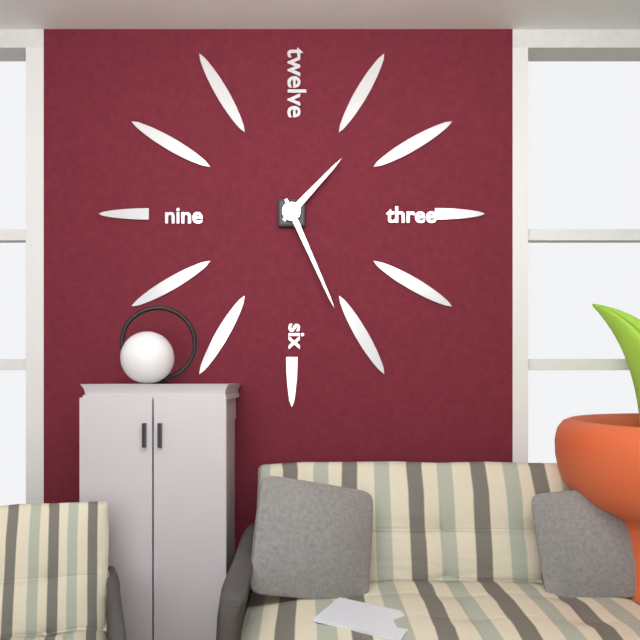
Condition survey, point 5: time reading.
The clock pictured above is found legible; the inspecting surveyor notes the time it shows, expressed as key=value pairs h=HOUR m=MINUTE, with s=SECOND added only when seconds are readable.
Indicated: h=1 m=26
